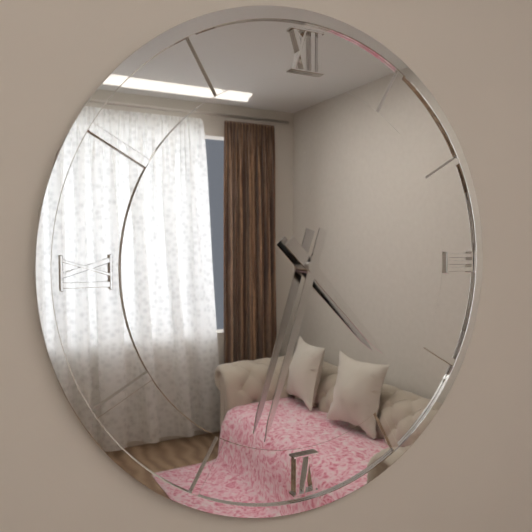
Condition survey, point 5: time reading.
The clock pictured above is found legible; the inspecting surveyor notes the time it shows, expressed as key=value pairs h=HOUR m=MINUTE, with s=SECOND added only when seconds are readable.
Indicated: h=4 m=33
